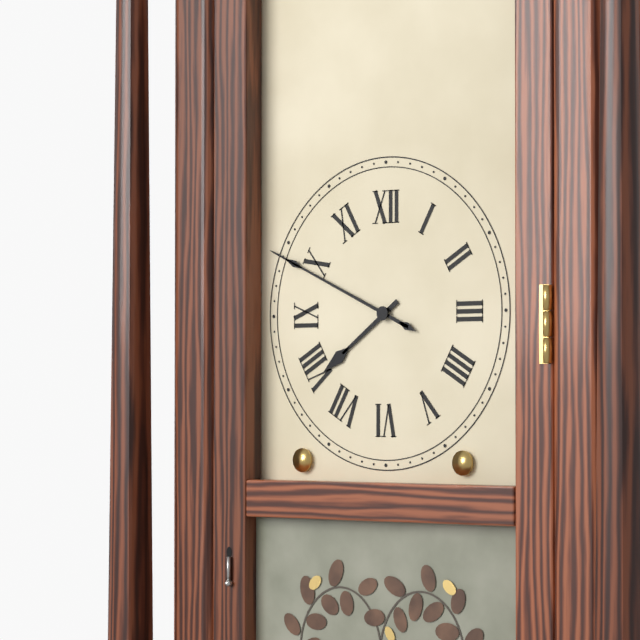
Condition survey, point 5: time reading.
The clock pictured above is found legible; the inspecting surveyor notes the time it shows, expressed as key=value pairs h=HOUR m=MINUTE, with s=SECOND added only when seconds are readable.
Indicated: h=7 m=49
